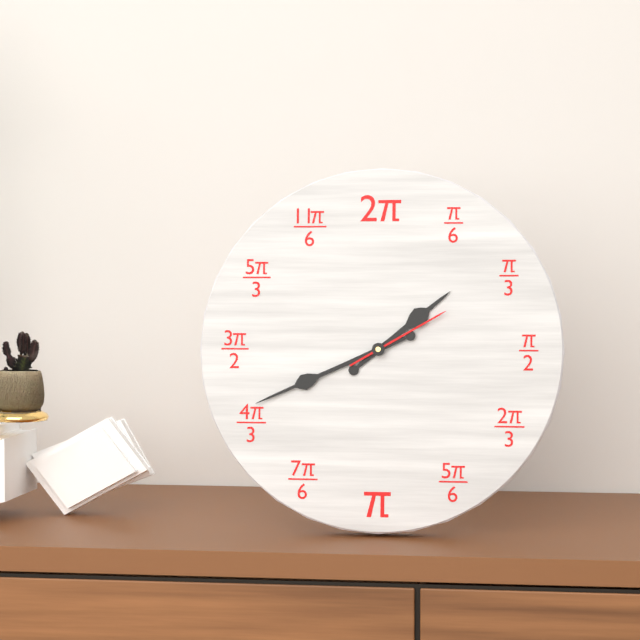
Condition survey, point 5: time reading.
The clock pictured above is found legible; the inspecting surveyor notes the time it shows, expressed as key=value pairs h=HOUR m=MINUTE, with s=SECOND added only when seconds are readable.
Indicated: h=1 m=41 s=10
